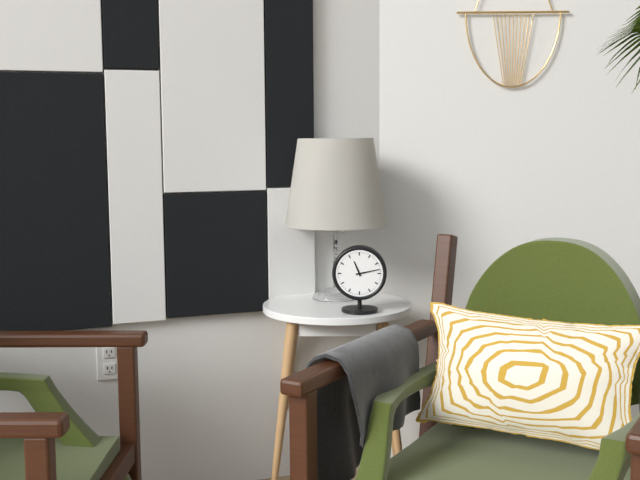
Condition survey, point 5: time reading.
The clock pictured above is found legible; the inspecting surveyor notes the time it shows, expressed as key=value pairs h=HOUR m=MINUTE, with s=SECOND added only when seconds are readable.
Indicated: h=11 m=13
